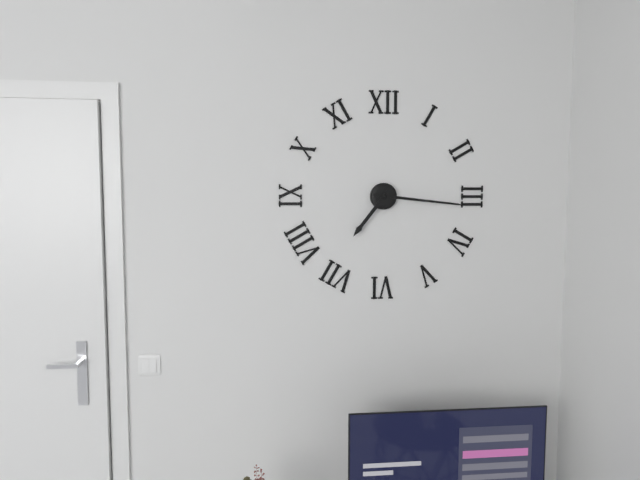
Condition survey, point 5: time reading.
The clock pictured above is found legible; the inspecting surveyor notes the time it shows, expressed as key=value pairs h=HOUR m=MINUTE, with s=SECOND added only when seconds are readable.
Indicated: h=7 m=16
